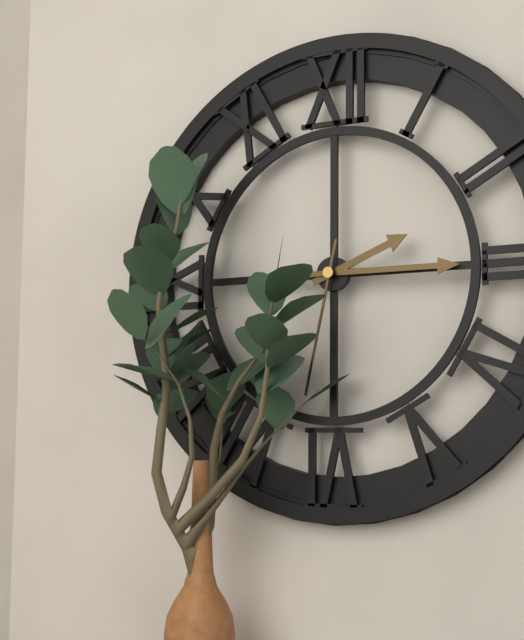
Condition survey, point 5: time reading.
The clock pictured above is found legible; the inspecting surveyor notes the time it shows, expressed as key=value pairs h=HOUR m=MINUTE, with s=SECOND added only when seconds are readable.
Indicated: h=2 m=15 s=32
